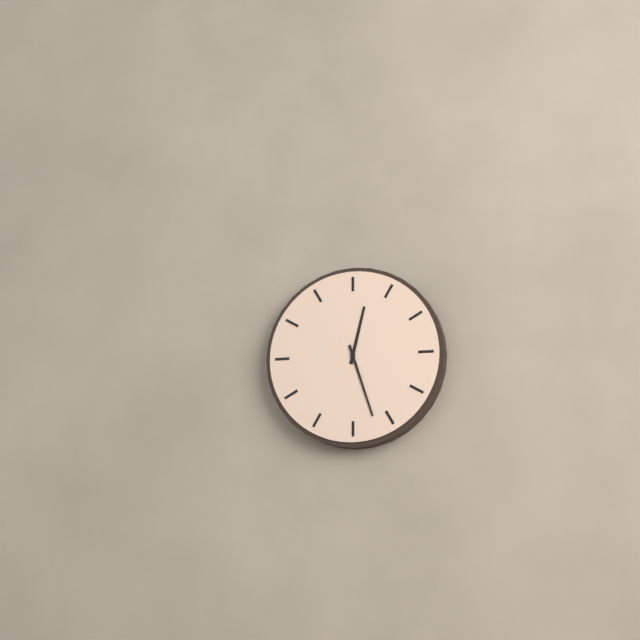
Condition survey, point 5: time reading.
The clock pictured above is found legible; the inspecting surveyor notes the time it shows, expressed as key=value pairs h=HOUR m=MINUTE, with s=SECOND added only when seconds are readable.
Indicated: h=12 m=27
